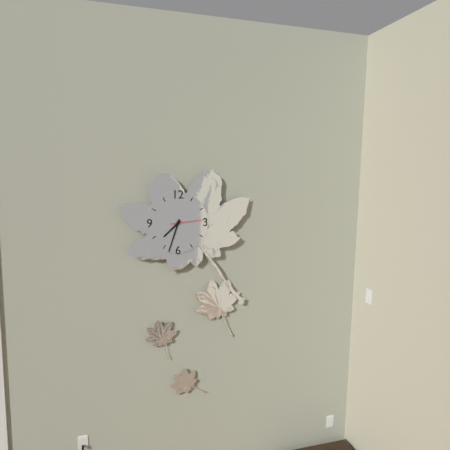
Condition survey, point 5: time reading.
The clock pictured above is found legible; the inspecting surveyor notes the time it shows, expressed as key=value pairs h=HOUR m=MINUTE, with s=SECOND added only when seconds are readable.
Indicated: h=7 m=33
